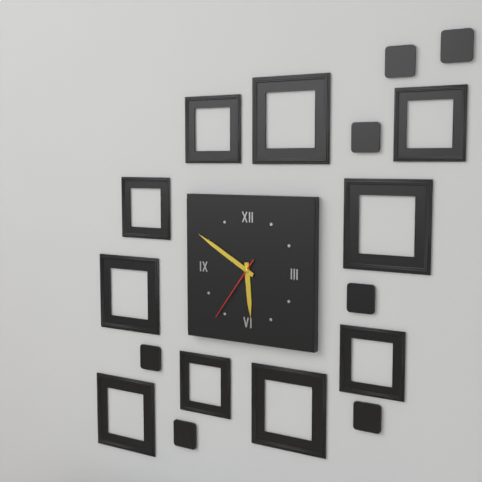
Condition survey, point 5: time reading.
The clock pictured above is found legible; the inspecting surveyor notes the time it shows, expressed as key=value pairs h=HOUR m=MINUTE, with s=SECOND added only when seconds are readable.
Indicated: h=5 m=50 s=36
